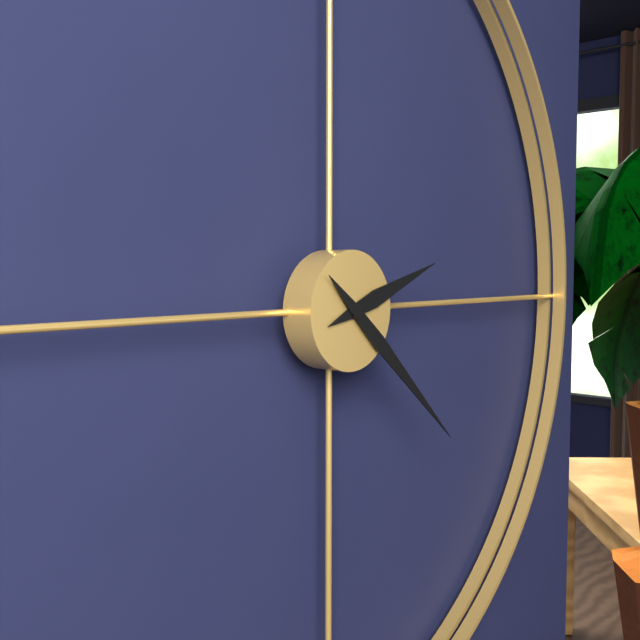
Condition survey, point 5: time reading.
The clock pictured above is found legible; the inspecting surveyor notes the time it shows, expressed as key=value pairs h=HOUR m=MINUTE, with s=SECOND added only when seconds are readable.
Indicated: h=2 m=22
